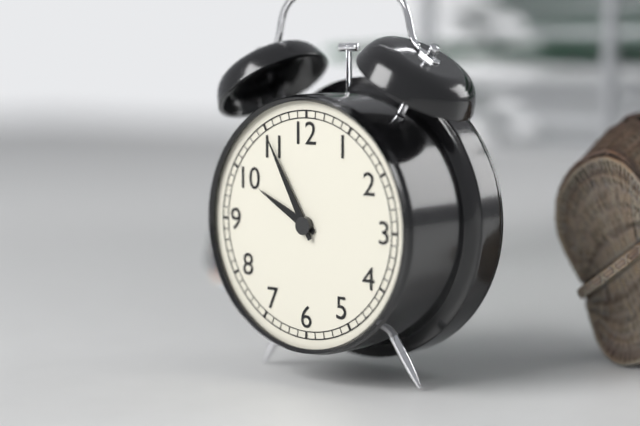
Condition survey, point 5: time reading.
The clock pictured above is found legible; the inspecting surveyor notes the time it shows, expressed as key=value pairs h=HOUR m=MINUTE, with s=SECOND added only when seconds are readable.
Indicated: h=9 m=55
